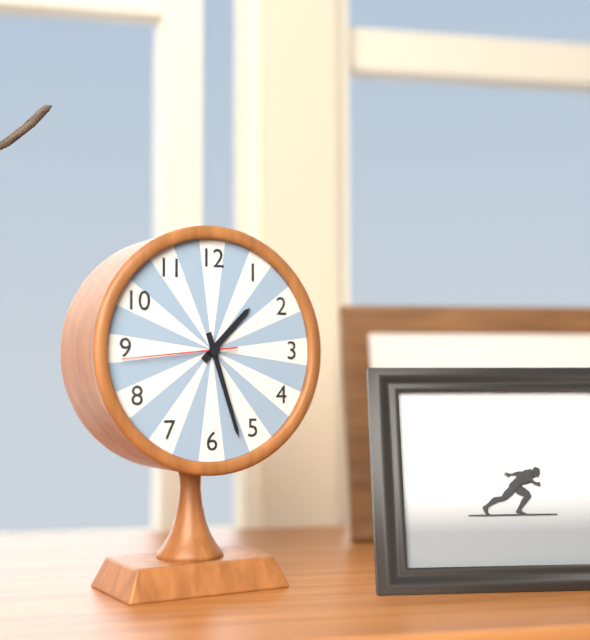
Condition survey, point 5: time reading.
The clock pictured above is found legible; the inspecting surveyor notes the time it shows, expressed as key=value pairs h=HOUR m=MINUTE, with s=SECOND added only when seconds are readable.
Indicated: h=1 m=27 s=44
